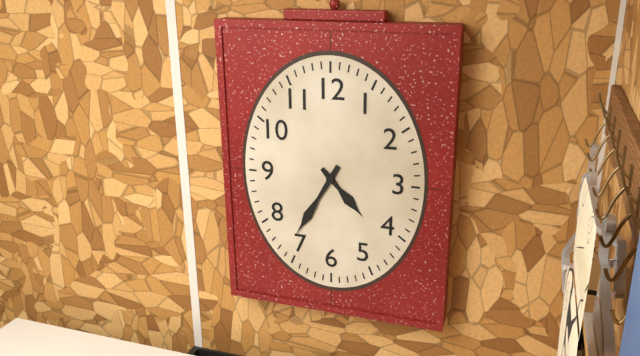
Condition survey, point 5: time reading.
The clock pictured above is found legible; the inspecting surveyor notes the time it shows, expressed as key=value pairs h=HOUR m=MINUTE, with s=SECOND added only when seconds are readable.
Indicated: h=4 m=35
